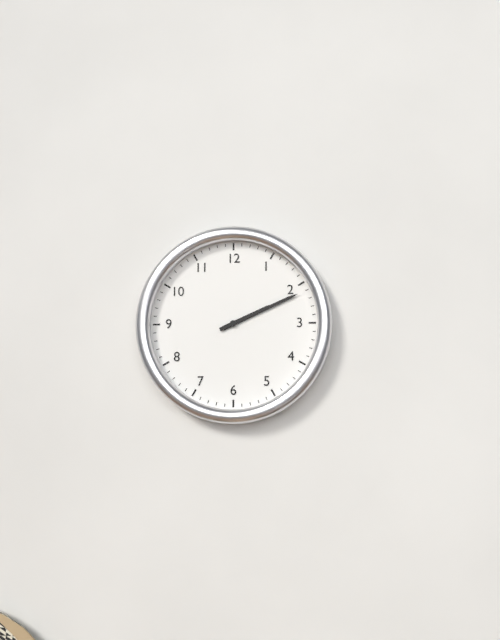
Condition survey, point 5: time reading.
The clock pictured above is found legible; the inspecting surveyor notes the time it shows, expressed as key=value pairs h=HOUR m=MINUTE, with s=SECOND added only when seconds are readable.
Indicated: h=2 m=11
